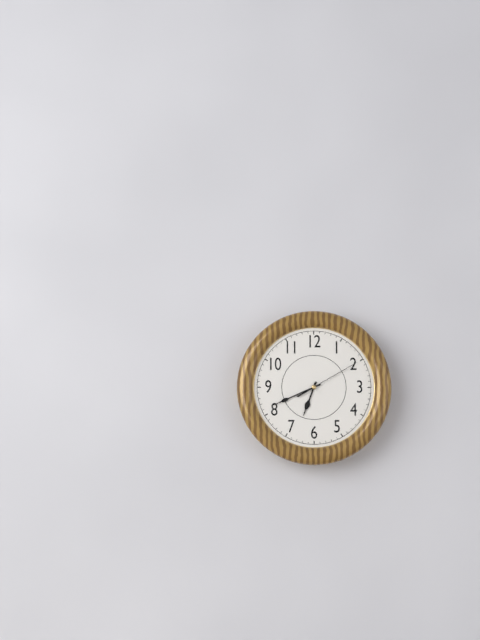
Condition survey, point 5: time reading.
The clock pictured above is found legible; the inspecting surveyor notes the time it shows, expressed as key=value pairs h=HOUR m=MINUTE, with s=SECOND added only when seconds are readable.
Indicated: h=6 m=41 s=10
